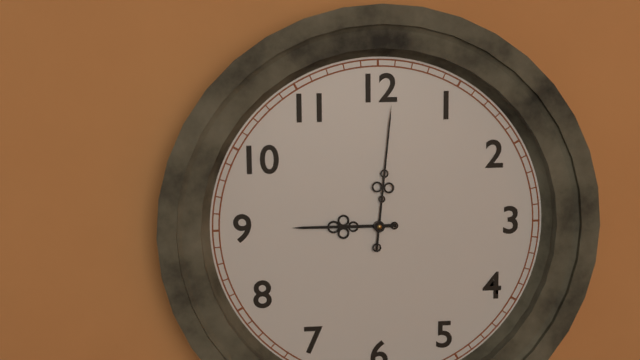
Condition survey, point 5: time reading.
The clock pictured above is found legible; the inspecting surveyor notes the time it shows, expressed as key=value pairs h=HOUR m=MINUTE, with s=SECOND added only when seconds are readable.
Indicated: h=9 m=1
